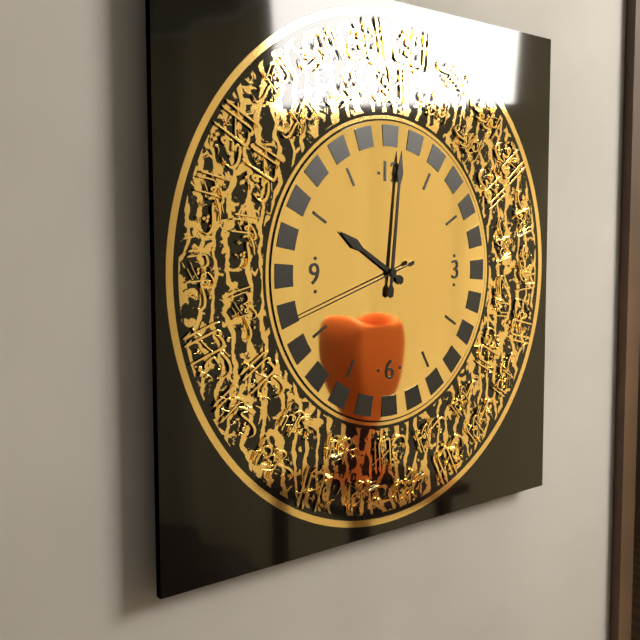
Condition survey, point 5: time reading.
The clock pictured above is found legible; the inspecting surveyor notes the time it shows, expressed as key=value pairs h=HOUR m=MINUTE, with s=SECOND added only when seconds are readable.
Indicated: h=10 m=1 s=42
